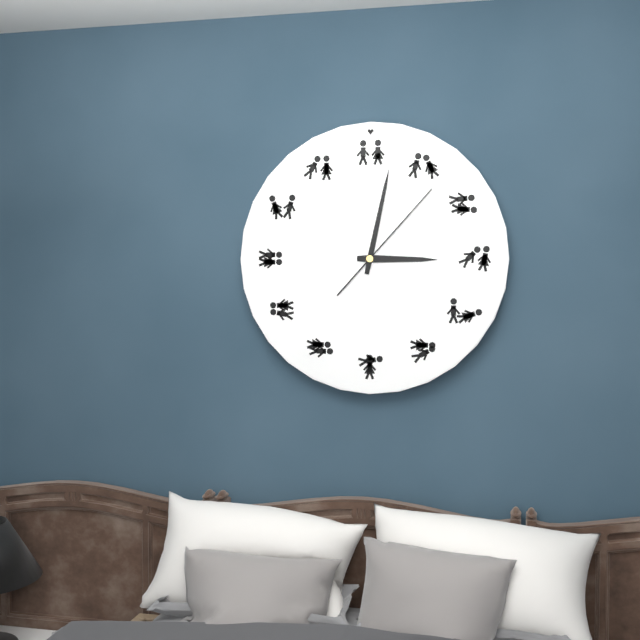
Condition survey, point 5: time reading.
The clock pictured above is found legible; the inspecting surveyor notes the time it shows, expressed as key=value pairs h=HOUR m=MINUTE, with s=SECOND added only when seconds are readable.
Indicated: h=3 m=2 s=7
